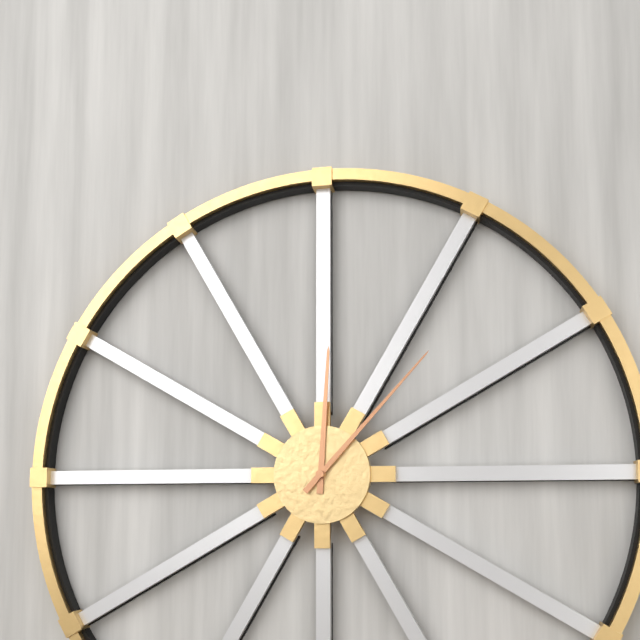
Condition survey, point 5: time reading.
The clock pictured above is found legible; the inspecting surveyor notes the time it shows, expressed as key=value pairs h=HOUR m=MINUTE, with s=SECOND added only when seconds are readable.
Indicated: h=12 m=7
